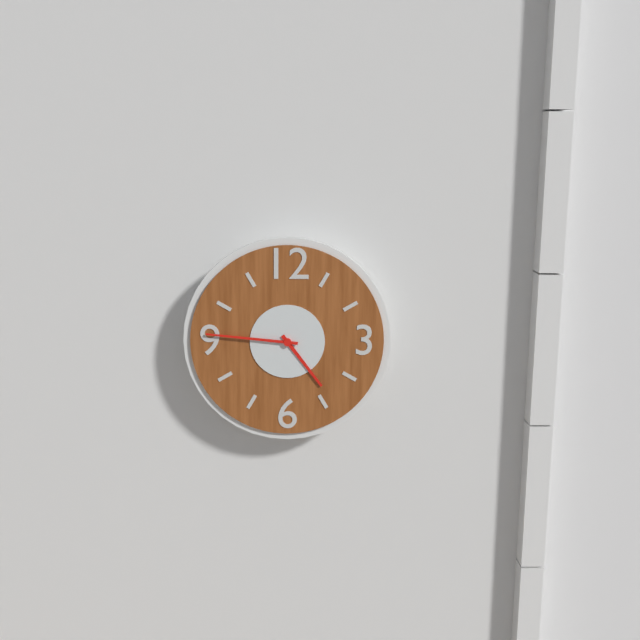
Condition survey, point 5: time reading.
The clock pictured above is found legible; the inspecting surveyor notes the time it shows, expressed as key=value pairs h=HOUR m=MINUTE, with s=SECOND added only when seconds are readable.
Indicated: h=4 m=46
